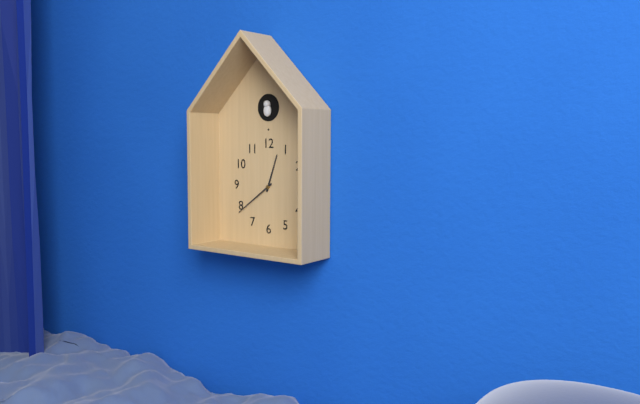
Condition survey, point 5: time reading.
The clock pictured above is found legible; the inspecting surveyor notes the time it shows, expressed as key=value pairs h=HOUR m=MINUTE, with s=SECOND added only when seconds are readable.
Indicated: h=12 m=39
